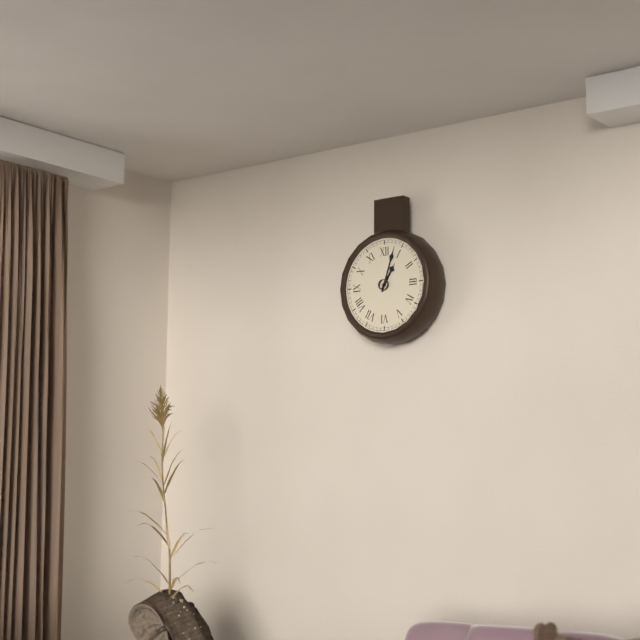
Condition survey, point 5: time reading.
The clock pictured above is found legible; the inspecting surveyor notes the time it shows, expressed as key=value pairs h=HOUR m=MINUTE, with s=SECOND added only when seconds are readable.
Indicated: h=1 m=3
